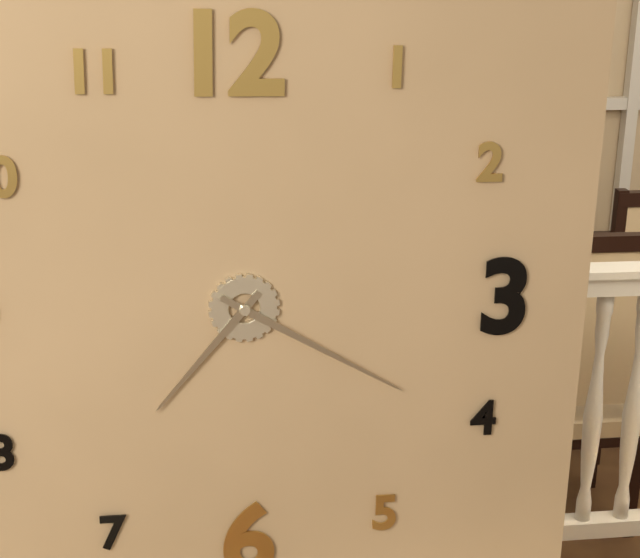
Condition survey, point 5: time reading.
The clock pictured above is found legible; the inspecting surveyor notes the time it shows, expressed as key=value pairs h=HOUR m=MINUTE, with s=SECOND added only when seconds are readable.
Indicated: h=7 m=20
